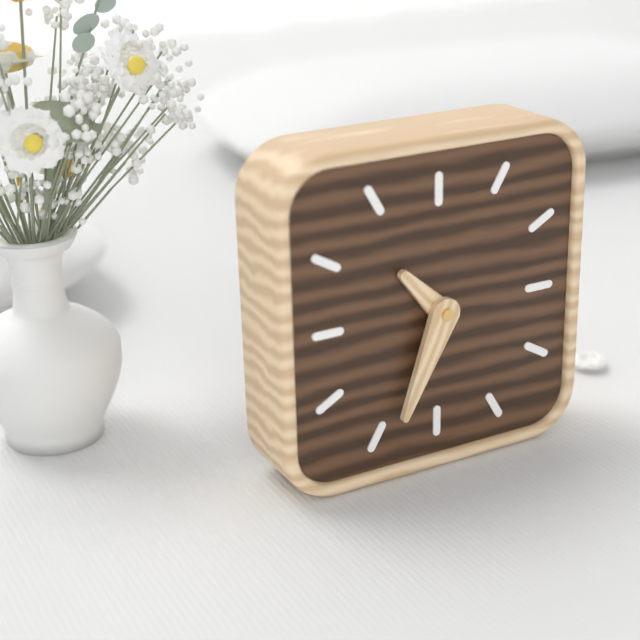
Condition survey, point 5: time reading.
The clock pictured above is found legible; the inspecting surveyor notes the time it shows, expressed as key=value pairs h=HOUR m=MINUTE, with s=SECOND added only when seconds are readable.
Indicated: h=10 m=34
